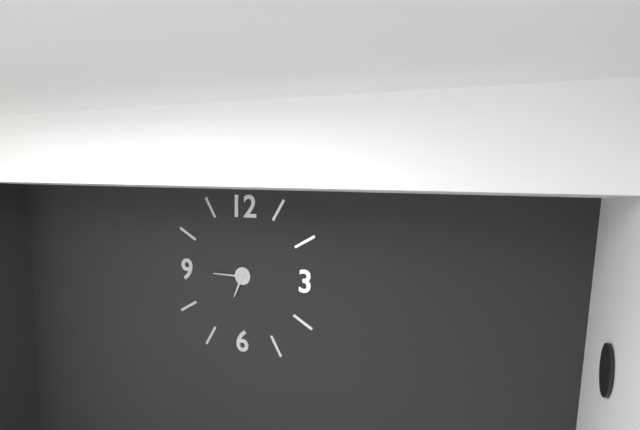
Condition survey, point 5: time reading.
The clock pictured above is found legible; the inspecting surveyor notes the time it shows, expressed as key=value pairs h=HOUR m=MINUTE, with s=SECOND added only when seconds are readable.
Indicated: h=6 m=45
